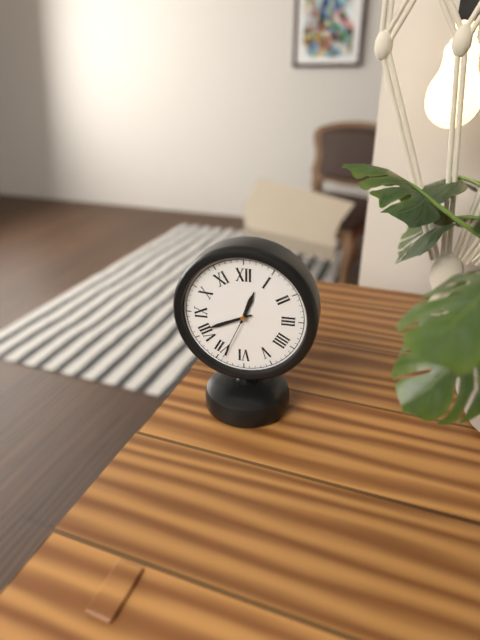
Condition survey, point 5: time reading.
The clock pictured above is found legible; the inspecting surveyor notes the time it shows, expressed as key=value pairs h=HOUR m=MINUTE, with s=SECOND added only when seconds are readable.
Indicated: h=12 m=41 s=34
